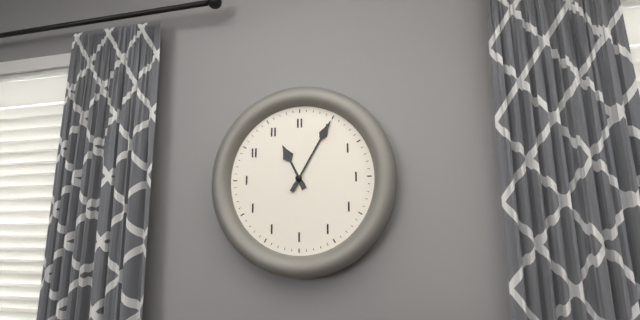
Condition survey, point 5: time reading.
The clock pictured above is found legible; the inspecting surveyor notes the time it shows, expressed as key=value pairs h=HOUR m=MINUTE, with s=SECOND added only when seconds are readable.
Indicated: h=11 m=5
